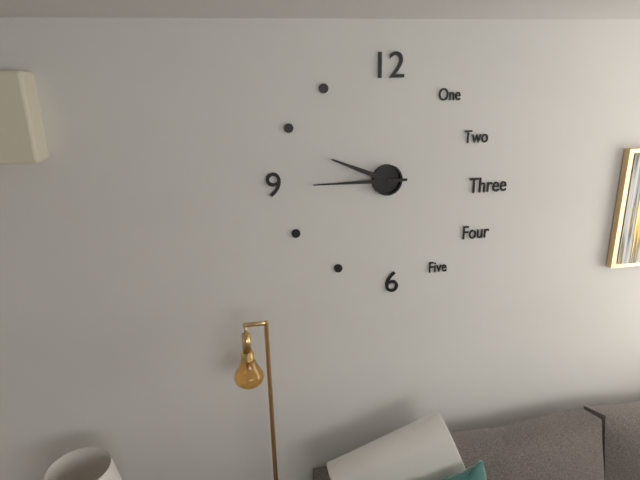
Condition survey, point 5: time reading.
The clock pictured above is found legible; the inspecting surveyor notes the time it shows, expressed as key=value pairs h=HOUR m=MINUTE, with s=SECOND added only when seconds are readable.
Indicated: h=9 m=45
